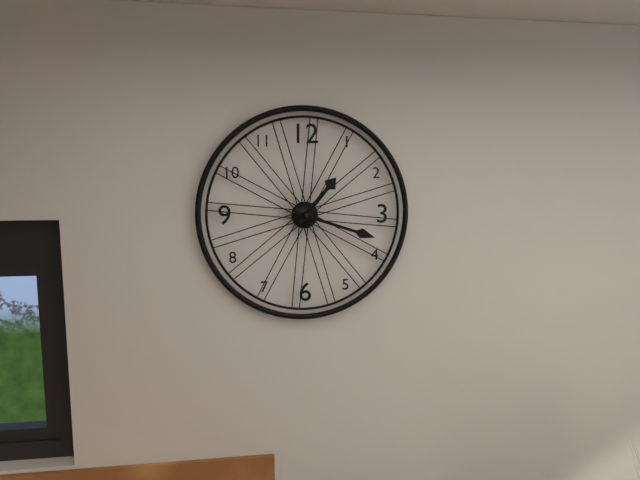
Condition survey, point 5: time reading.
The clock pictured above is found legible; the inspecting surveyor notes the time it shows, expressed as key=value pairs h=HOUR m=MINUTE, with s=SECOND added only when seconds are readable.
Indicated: h=1 m=18
